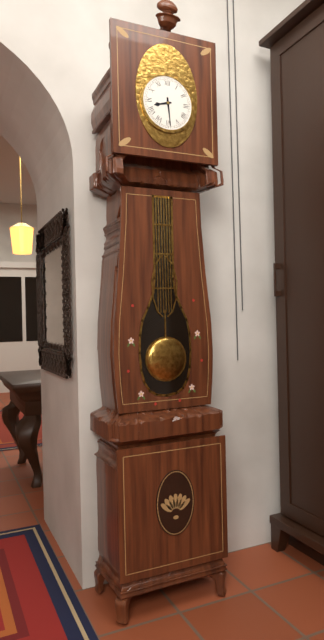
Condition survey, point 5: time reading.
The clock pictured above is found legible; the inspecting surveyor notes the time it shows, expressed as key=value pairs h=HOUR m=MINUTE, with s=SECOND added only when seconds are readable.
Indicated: h=8 m=29
